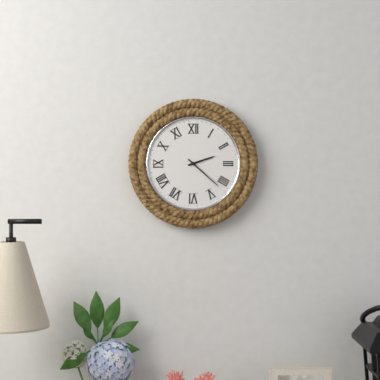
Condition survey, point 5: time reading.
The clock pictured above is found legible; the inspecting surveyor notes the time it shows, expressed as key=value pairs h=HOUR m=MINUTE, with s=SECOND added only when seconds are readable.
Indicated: h=2 m=22
